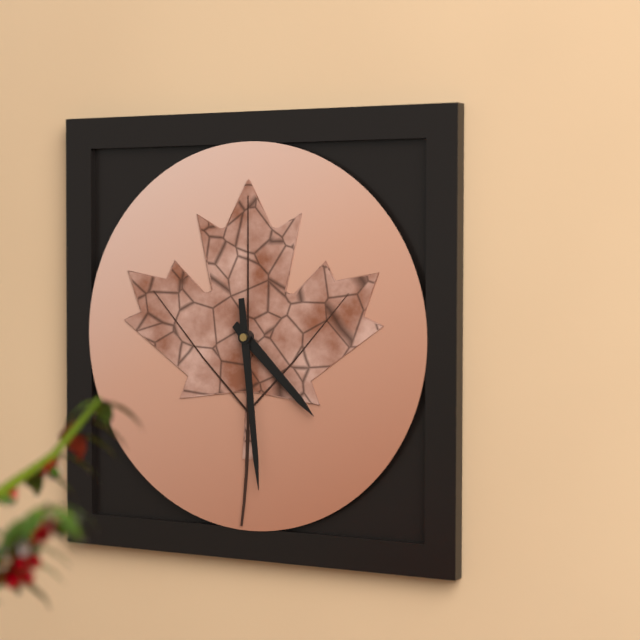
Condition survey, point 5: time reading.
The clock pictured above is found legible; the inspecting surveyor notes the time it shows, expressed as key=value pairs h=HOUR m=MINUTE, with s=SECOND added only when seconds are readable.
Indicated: h=4 m=29
